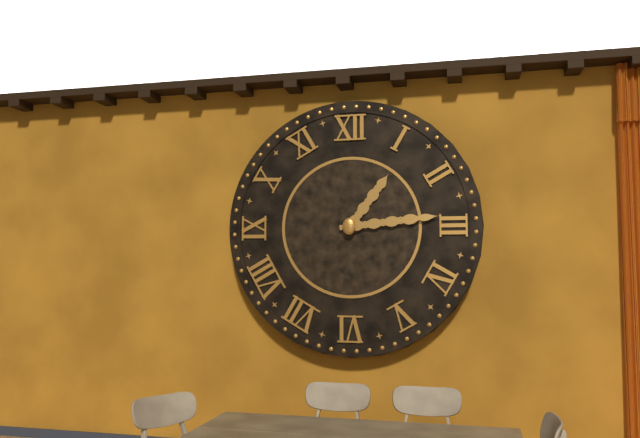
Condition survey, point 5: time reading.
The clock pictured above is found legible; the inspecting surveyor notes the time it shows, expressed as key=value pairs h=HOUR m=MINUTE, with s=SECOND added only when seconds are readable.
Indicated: h=1 m=14
